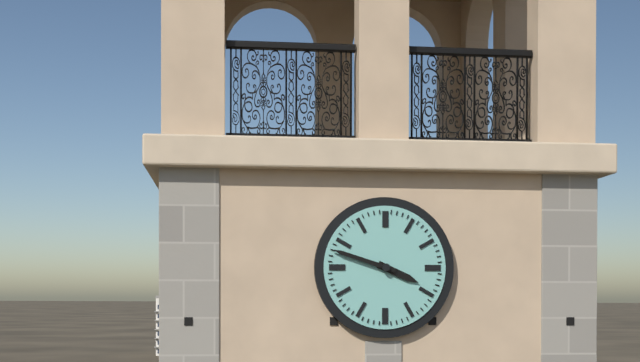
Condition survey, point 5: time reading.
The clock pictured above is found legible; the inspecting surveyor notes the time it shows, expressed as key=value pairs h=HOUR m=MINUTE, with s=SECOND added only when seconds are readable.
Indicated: h=3 m=48
